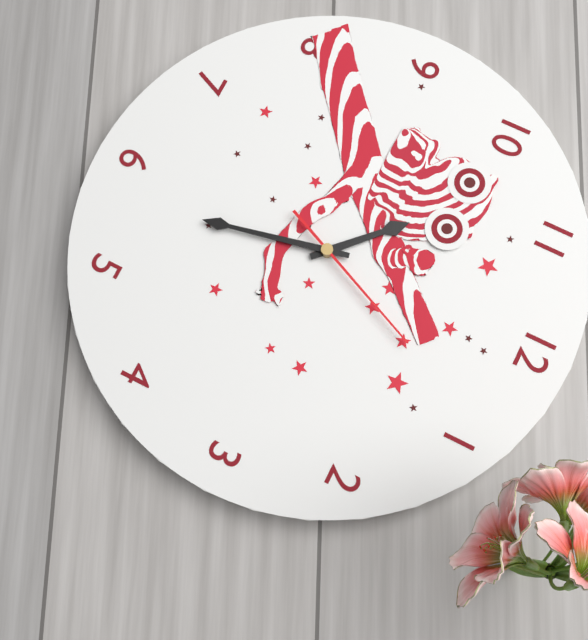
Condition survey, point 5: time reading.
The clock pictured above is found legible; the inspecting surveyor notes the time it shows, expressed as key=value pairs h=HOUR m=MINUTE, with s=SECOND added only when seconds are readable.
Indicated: h=10 m=28 s=4
